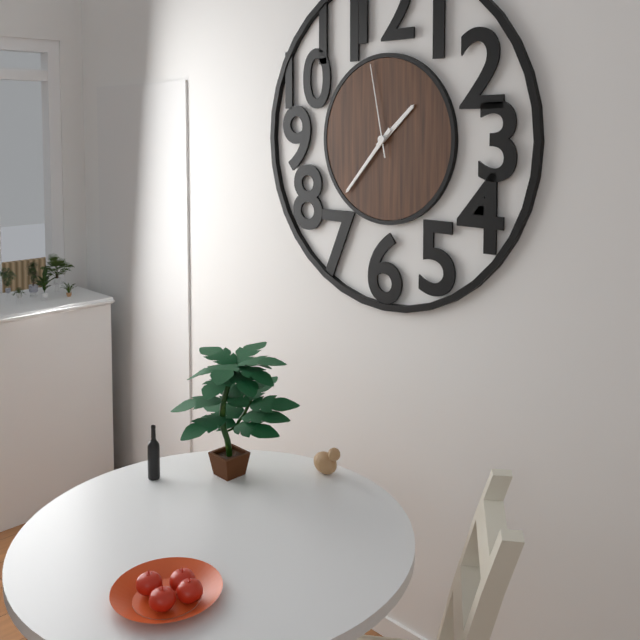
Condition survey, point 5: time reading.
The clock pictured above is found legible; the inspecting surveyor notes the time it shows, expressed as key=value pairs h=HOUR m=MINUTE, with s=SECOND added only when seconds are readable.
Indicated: h=1 m=37 s=58
